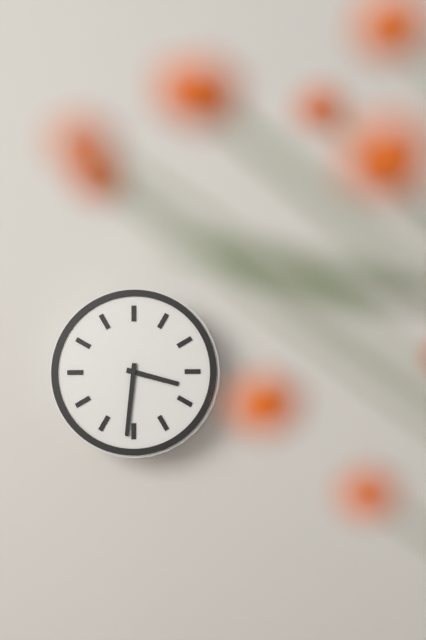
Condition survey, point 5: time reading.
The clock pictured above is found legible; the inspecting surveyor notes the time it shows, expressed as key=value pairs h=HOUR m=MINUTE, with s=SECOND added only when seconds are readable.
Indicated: h=3 m=31
